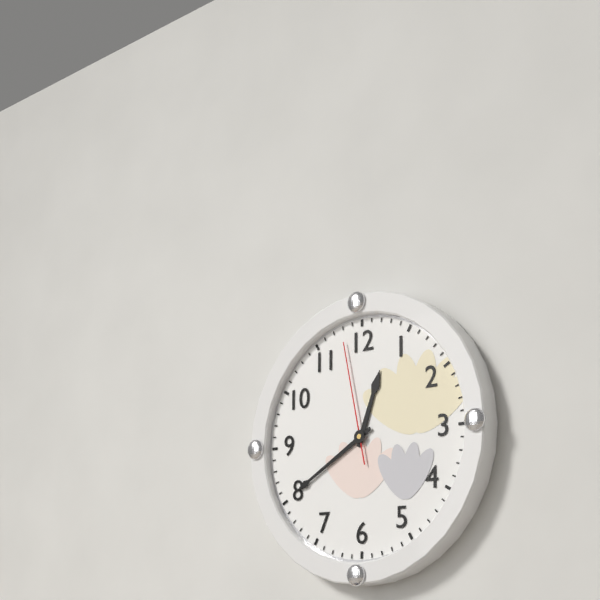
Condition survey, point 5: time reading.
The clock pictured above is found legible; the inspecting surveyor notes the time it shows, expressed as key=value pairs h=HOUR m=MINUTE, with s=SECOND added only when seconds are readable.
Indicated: h=12 m=40 s=58
